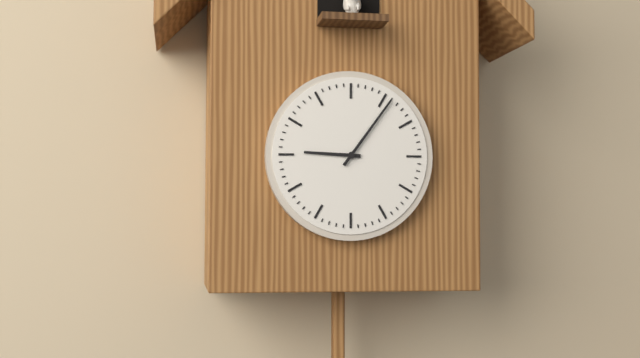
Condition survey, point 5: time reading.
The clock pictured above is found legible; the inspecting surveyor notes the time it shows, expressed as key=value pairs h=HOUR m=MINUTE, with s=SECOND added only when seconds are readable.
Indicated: h=9 m=6
